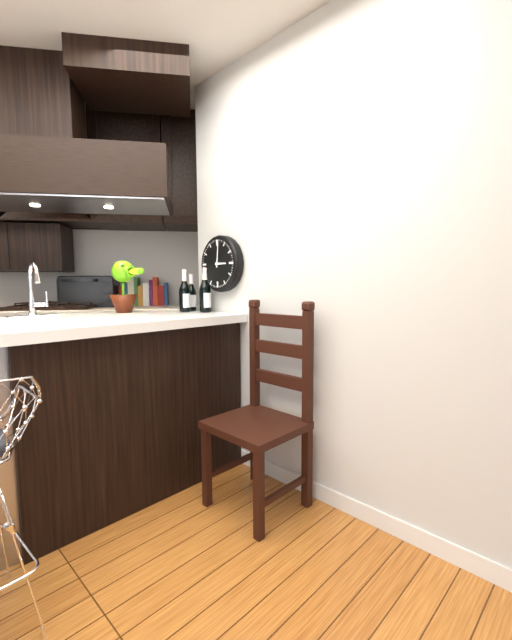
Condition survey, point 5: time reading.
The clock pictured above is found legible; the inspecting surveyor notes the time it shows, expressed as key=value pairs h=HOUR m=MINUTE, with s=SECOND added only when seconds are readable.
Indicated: h=3 m=1
